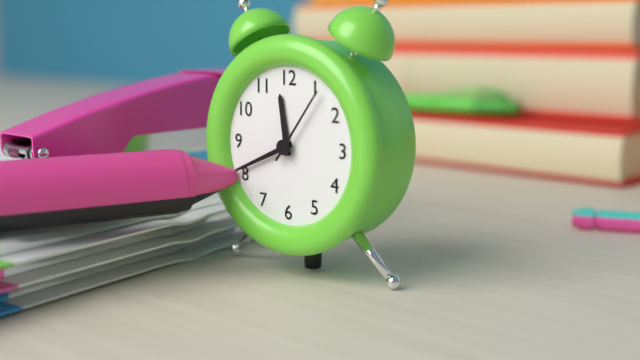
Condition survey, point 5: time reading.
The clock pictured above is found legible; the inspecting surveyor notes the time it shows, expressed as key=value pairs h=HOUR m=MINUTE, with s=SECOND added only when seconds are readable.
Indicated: h=11 m=41 s=6
